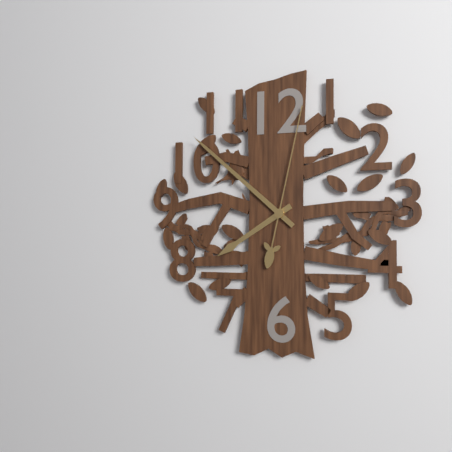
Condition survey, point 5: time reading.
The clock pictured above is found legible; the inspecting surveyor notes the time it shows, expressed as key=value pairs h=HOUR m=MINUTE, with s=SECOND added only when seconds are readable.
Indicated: h=7 m=52 s=2
